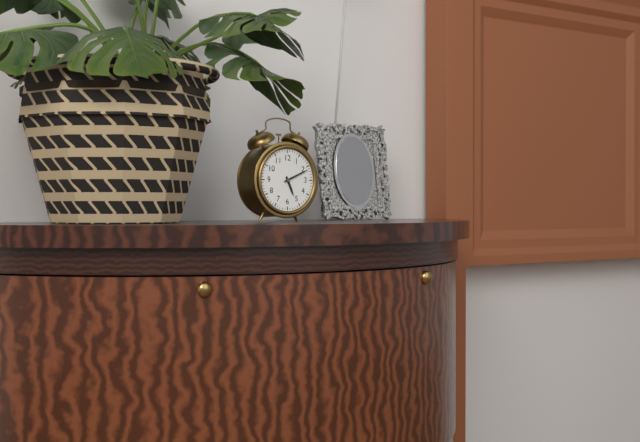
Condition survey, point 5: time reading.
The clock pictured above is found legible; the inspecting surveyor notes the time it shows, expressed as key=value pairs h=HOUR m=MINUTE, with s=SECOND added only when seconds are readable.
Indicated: h=5 m=11
